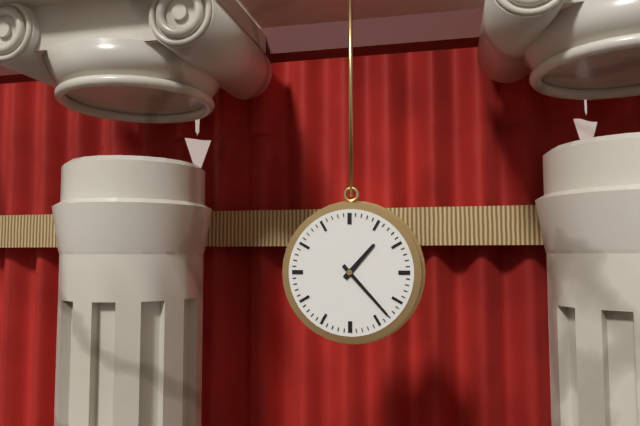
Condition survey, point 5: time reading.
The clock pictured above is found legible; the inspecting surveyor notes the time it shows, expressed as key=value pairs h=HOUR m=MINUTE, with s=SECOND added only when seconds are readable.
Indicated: h=1 m=23
